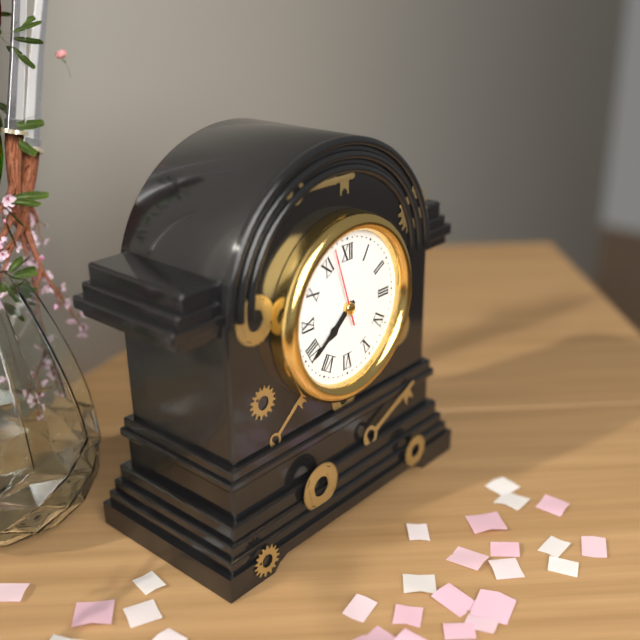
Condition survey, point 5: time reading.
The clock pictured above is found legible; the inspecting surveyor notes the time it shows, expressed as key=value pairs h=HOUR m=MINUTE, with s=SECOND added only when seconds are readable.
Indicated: h=7 m=39 s=57
